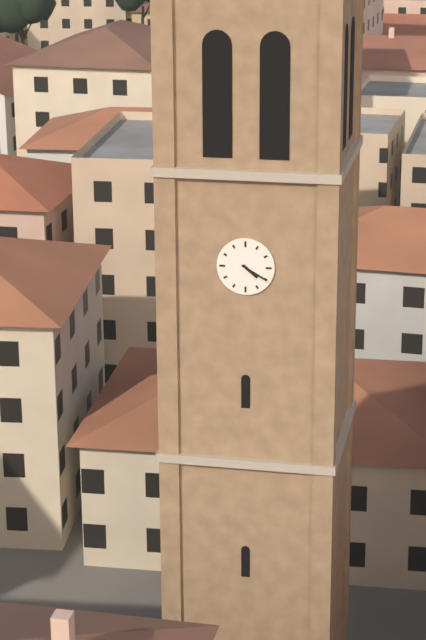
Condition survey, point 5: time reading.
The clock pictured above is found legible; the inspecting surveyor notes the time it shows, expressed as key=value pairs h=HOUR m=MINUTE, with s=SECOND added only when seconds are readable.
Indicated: h=4 m=20
